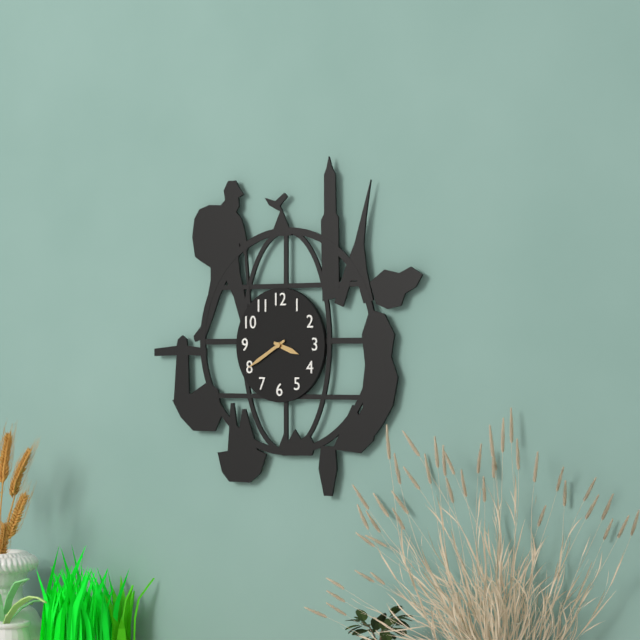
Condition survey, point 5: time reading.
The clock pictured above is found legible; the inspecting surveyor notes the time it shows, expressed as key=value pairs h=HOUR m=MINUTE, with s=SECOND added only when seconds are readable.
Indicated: h=3 m=40
